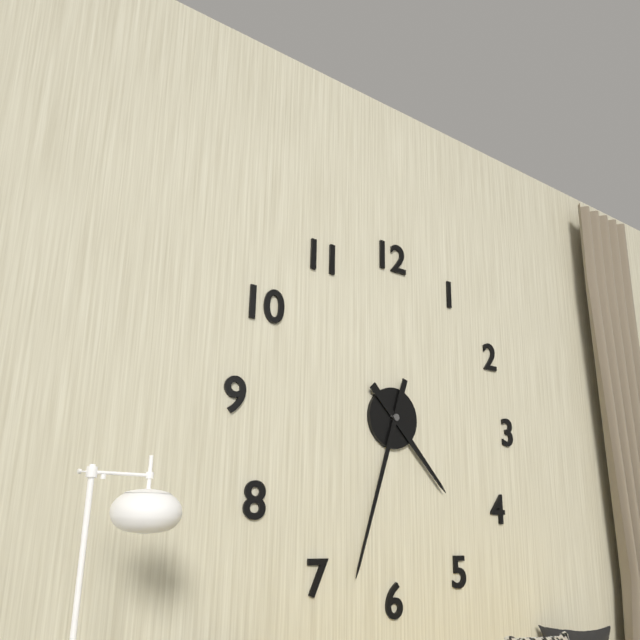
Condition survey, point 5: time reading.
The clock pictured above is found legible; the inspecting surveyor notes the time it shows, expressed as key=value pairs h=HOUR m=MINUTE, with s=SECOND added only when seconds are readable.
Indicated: h=4 m=33
